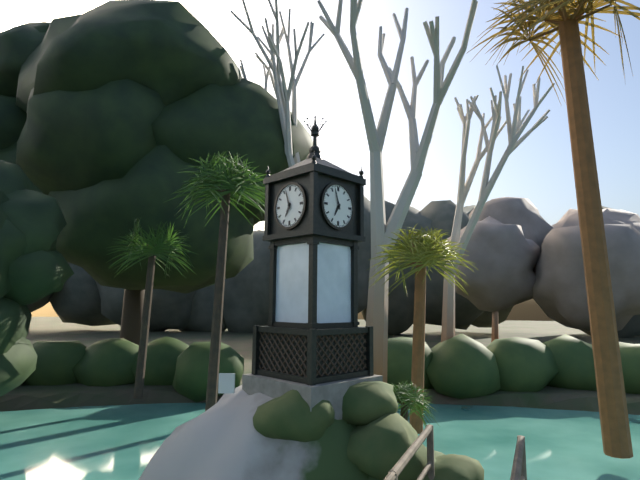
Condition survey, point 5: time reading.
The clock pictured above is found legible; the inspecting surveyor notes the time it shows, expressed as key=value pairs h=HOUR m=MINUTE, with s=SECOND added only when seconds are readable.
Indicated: h=6 m=57
